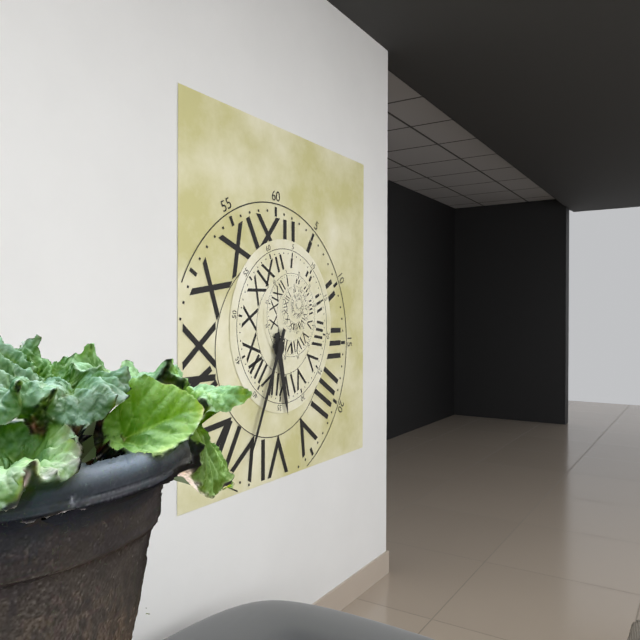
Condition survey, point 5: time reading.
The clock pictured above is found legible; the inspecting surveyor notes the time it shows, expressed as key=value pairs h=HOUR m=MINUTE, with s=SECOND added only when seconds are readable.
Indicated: h=5 m=34
